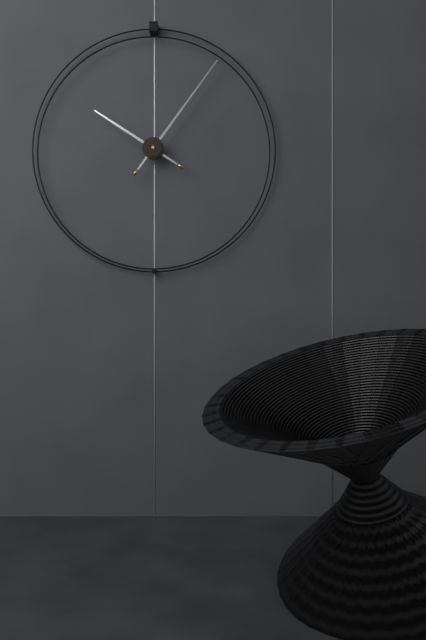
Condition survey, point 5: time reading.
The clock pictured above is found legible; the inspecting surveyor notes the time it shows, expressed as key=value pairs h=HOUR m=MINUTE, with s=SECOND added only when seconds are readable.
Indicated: h=10 m=6
